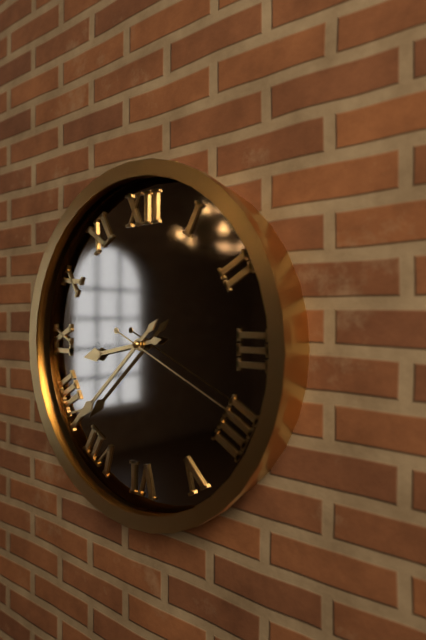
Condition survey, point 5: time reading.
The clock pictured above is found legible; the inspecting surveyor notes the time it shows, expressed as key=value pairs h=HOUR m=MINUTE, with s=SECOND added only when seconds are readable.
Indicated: h=8 m=38 s=19
